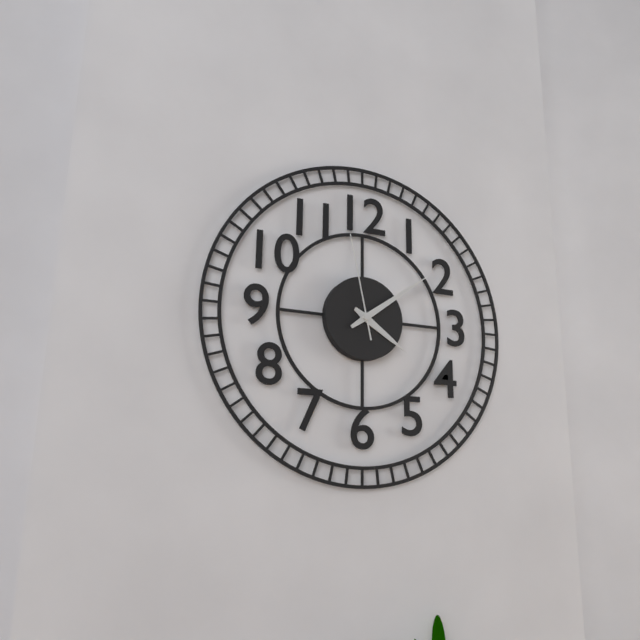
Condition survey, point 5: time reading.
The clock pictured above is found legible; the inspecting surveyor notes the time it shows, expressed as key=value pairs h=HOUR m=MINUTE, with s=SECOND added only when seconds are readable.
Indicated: h=4 m=9 s=58
